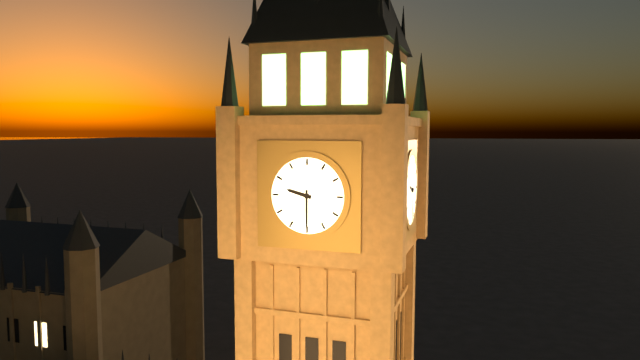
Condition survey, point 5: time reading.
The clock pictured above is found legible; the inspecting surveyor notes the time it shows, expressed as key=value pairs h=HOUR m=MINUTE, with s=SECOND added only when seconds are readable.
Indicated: h=9 m=30
